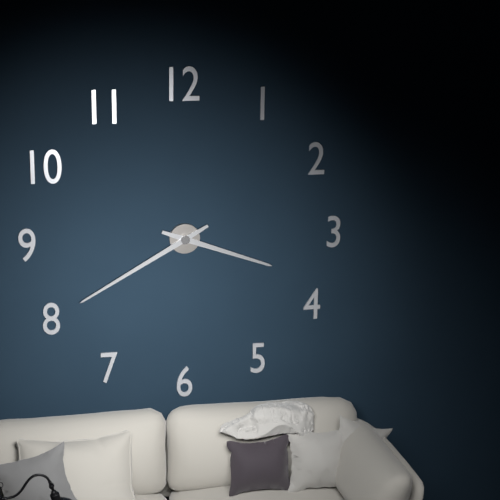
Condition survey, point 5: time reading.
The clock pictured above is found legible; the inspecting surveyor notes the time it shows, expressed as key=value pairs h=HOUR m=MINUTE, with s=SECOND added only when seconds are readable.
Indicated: h=3 m=40
